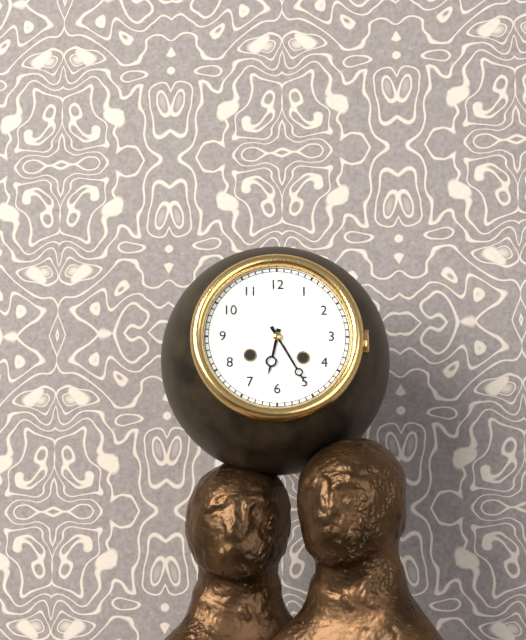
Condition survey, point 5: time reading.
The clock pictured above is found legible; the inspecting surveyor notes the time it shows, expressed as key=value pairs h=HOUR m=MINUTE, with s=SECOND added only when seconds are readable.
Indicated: h=6 m=25
